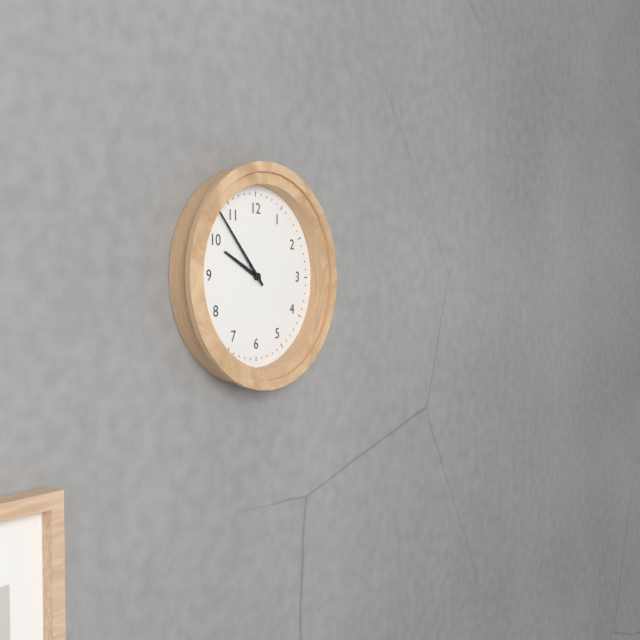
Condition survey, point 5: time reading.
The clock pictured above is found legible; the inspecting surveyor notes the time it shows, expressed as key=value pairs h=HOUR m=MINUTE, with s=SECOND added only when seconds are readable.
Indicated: h=9 m=53
